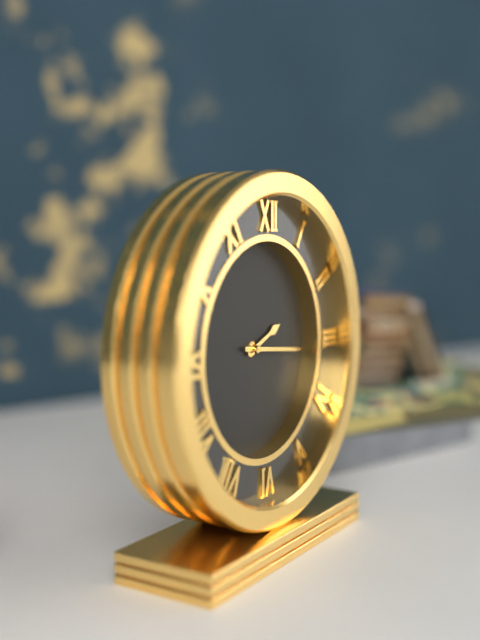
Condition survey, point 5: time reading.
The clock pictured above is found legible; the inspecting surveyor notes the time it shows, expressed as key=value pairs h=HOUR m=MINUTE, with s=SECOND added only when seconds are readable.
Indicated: h=2 m=16
